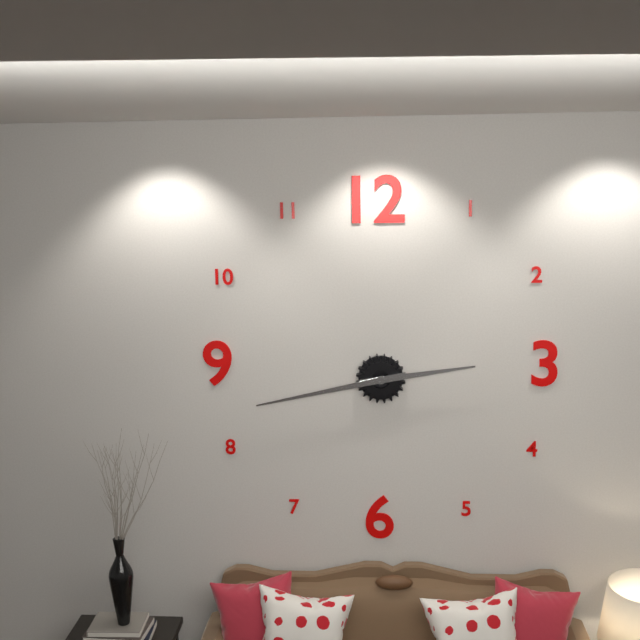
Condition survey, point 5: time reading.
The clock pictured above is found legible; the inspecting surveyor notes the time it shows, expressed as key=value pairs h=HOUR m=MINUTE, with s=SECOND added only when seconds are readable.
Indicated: h=2 m=43
